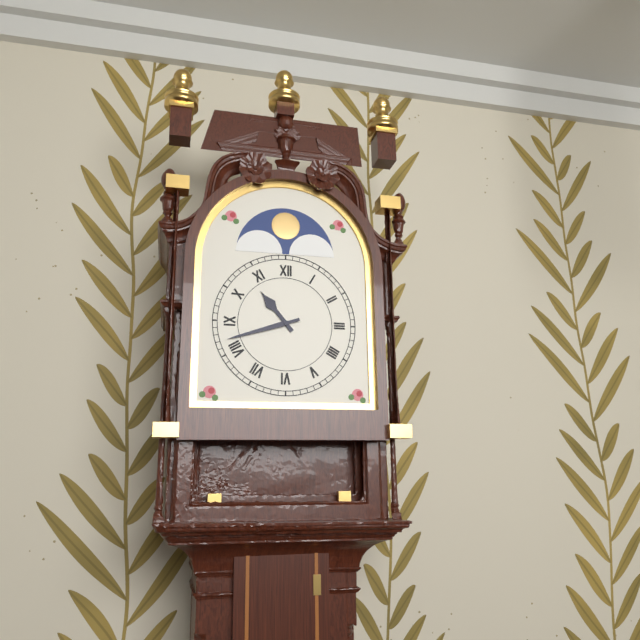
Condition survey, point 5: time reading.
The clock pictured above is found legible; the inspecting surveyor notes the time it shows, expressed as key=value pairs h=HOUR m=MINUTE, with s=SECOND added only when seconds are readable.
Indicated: h=10 m=42
